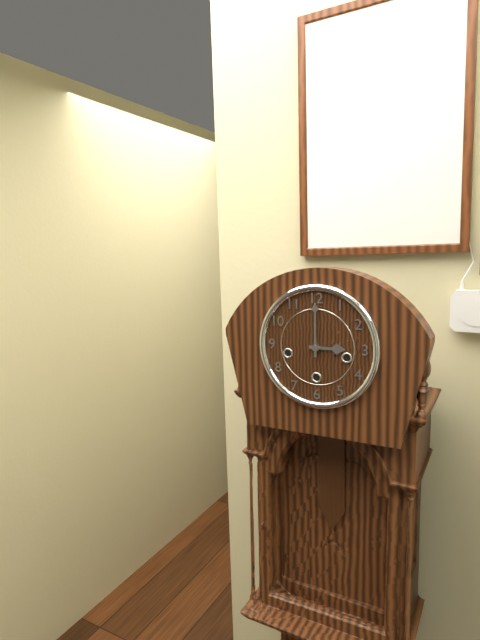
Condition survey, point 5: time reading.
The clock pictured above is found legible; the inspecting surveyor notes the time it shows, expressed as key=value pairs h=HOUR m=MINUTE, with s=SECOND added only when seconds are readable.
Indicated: h=3 m=0
